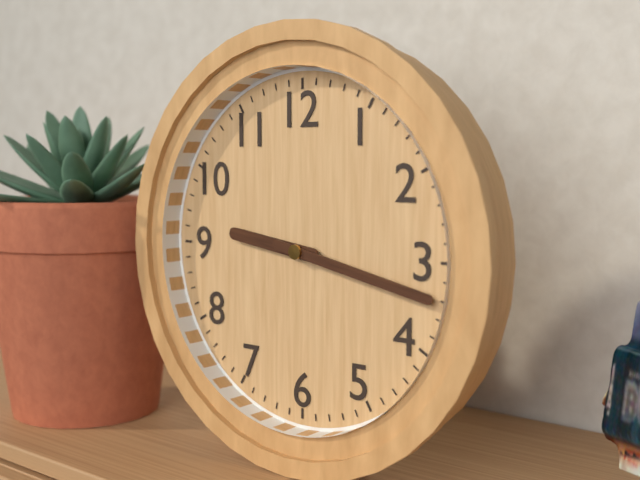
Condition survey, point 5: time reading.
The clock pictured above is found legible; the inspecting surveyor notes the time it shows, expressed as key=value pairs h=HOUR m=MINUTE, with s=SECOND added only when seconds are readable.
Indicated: h=9 m=17
